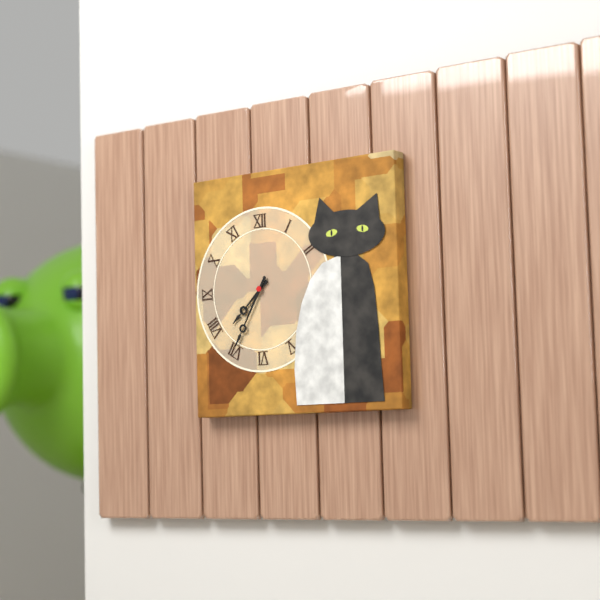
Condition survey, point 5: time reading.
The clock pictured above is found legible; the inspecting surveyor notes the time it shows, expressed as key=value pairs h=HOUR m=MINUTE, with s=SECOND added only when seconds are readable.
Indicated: h=7 m=35
